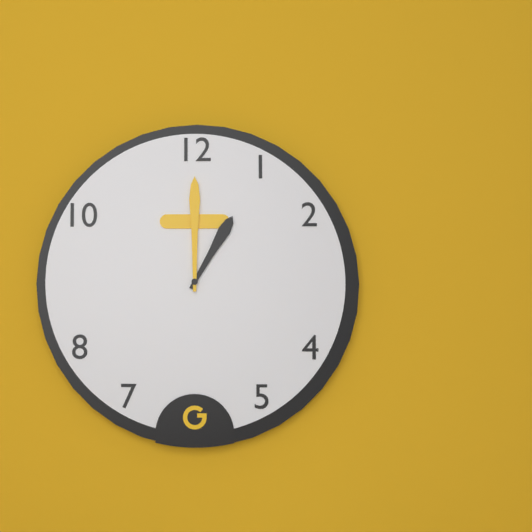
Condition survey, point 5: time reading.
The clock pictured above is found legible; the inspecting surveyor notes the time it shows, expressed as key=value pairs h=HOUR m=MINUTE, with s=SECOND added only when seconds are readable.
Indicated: h=1 m=0
